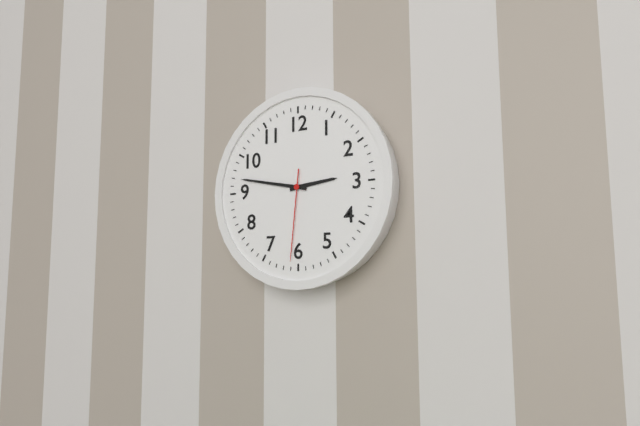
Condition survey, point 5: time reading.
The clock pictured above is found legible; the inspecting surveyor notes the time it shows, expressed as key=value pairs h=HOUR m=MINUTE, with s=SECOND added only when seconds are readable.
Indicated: h=2 m=47 s=31
